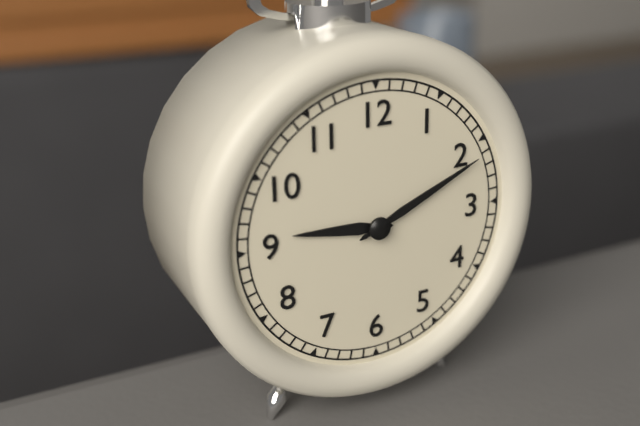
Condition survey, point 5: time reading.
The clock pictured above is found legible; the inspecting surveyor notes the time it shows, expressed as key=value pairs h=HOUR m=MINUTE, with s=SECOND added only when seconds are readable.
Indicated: h=9 m=11
